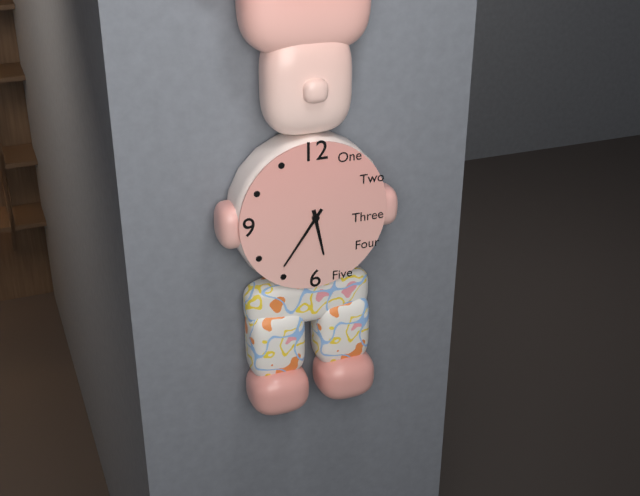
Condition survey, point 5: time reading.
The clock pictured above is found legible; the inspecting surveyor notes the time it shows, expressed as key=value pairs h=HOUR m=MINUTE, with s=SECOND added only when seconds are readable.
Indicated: h=5 m=36
